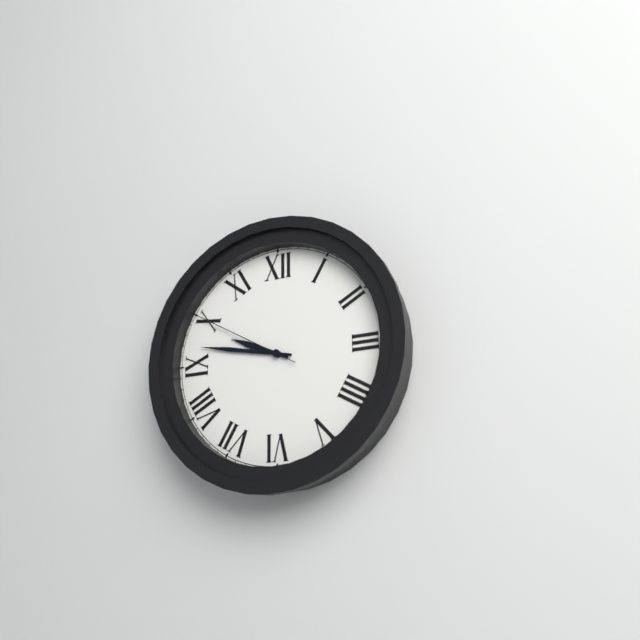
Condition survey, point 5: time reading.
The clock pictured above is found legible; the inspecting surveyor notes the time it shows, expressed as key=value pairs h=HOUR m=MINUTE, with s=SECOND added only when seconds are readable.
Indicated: h=9 m=47 s=50
